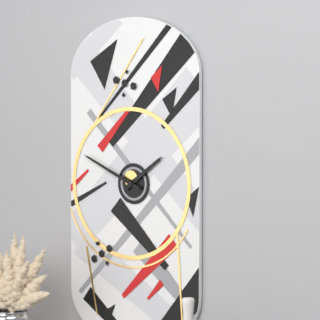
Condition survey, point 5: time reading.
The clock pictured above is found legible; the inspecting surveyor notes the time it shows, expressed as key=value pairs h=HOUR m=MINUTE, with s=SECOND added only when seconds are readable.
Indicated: h=1 m=49
